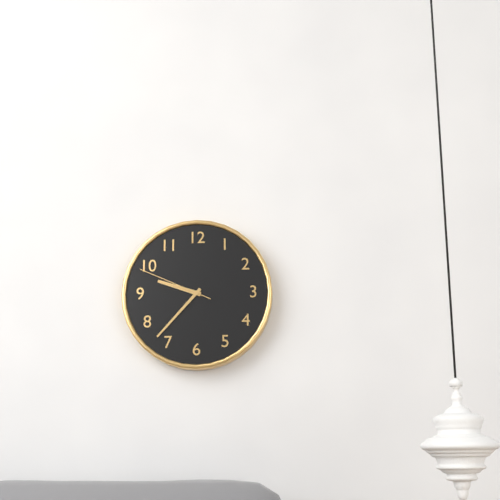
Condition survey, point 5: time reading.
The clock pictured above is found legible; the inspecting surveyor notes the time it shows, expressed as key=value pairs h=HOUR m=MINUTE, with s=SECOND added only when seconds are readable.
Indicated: h=9 m=37 s=49
